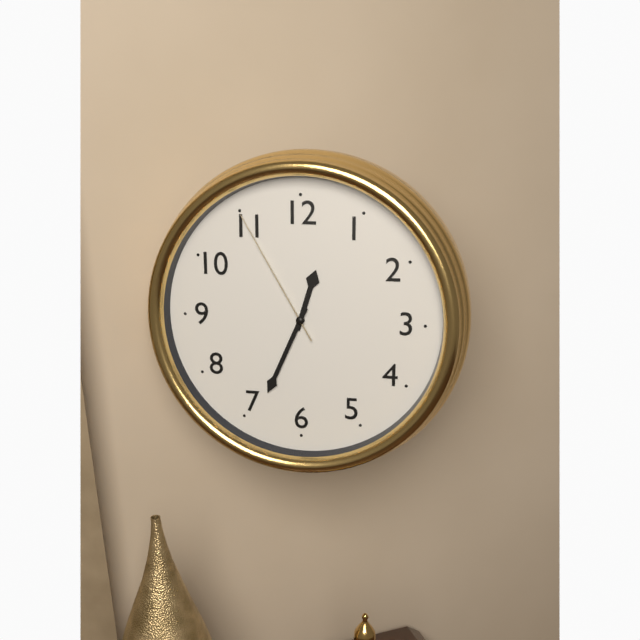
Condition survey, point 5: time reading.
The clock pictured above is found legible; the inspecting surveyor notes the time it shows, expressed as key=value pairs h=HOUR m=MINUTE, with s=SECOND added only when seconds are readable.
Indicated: h=12 m=34 s=55
